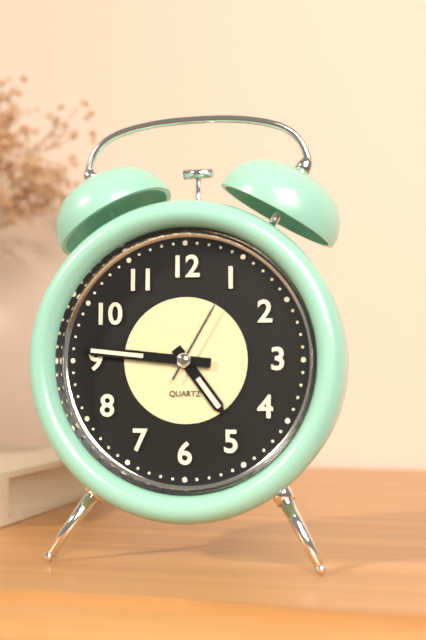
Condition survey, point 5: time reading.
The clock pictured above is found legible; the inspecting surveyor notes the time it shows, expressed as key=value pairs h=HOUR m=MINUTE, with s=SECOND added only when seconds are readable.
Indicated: h=4 m=46 s=5
